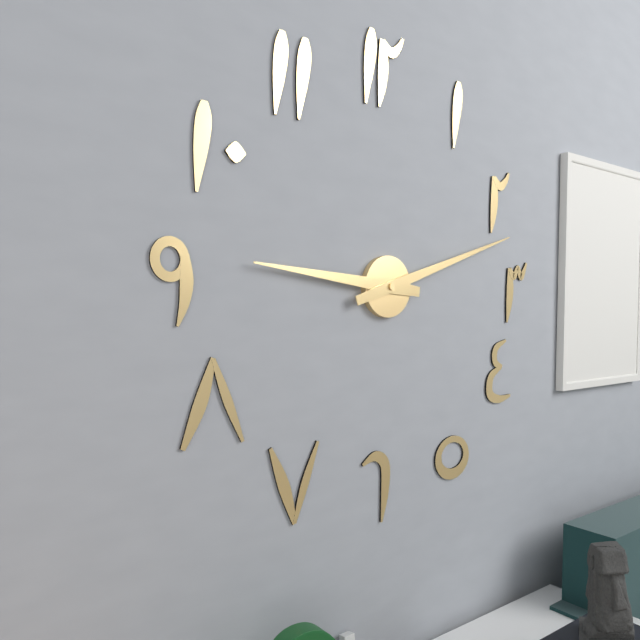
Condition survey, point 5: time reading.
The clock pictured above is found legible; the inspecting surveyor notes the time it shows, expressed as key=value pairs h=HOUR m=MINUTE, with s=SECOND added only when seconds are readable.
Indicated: h=9 m=12
